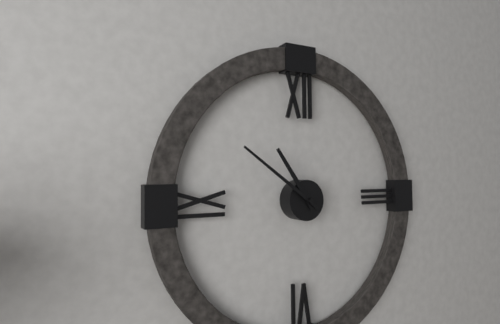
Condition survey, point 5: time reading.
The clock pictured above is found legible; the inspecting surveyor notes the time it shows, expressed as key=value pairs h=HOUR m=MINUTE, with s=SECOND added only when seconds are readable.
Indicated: h=10 m=51
